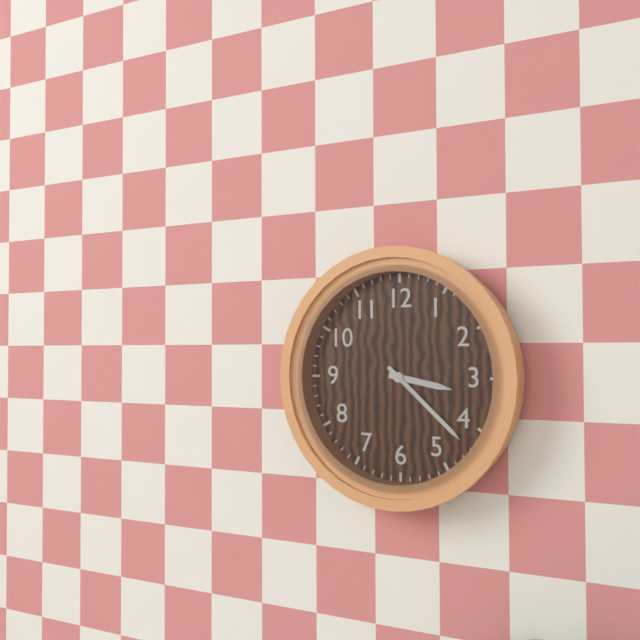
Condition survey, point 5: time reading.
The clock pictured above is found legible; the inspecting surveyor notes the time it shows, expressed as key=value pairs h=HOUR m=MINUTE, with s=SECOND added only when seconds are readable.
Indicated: h=3 m=22
